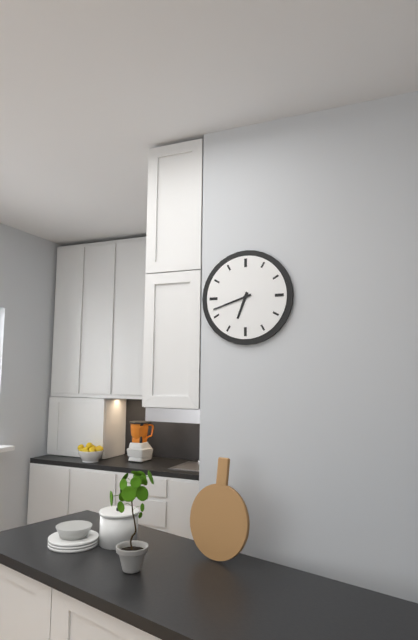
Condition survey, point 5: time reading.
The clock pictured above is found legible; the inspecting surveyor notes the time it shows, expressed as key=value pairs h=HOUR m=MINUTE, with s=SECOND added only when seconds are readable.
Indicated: h=6 m=42
